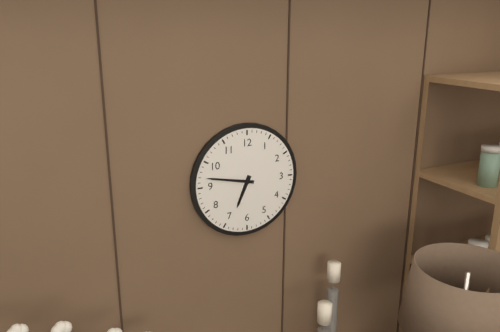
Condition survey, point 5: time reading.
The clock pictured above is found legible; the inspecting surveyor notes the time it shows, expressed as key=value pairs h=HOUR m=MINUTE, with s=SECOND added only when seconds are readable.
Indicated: h=6 m=47
